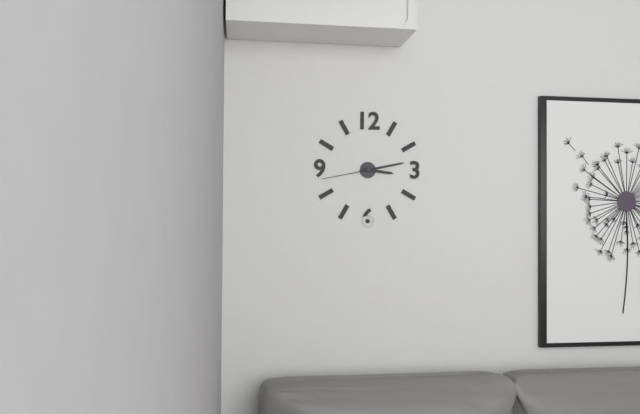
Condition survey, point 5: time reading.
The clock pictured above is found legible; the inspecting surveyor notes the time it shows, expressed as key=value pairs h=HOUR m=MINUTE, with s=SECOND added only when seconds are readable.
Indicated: h=3 m=13 s=43
